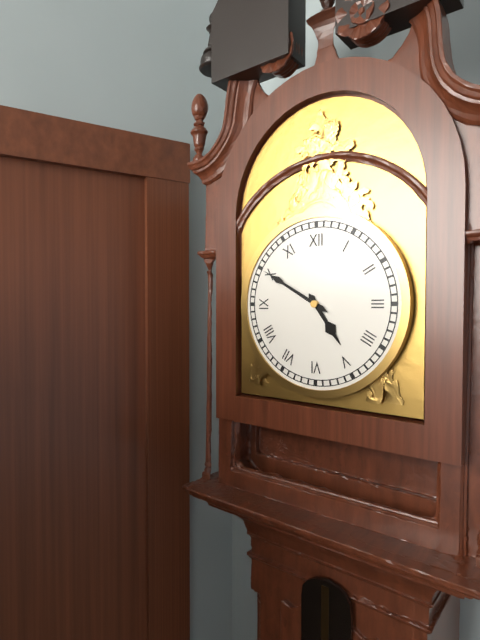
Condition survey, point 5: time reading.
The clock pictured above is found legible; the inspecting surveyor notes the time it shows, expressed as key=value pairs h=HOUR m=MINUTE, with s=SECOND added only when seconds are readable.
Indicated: h=4 m=50
